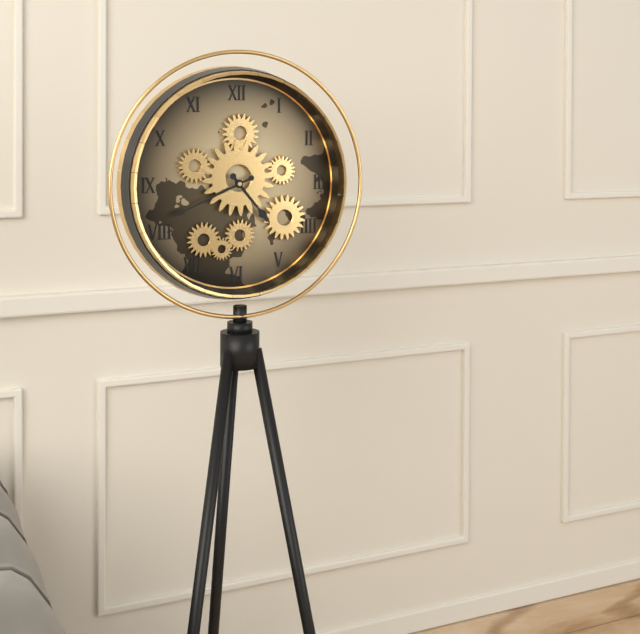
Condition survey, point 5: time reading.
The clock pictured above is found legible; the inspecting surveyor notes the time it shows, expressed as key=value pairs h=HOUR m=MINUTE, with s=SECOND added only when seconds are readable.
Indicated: h=4 m=41
